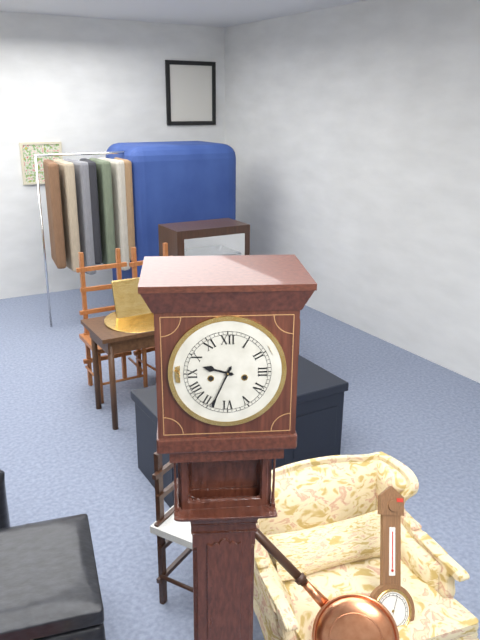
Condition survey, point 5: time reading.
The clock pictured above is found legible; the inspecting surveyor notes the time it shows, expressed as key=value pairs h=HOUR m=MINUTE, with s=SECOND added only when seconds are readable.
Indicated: h=9 m=34
